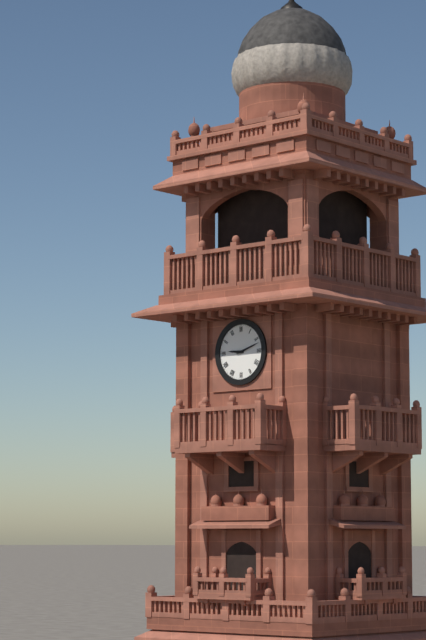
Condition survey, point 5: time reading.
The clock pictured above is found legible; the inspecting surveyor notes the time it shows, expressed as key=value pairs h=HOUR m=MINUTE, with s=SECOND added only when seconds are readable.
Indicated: h=9 m=12
